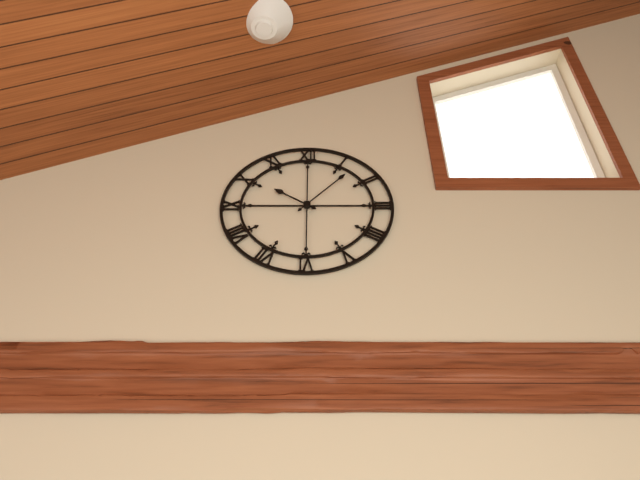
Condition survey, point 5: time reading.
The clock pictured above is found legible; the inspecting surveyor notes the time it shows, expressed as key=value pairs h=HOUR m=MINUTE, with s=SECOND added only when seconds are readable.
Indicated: h=10 m=7
